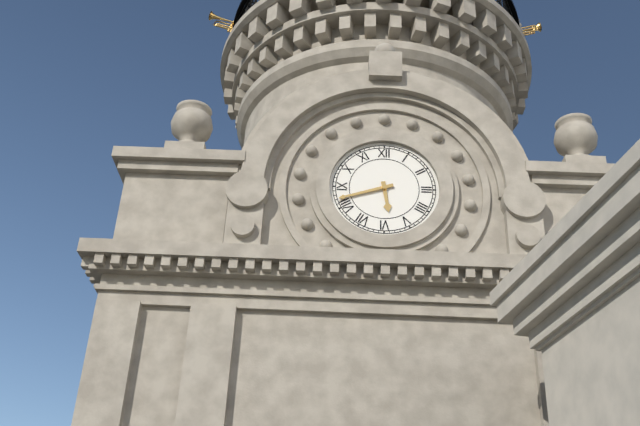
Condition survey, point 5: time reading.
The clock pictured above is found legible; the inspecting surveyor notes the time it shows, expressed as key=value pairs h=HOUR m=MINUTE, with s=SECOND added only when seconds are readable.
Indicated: h=5 m=42
